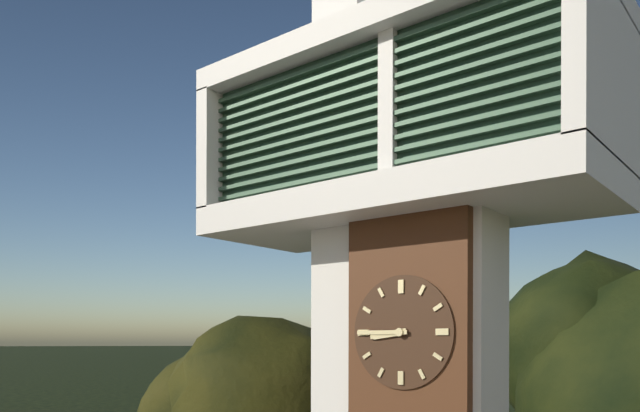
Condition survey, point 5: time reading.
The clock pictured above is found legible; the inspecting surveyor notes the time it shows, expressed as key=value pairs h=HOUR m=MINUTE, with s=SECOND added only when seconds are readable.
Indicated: h=8 m=45
